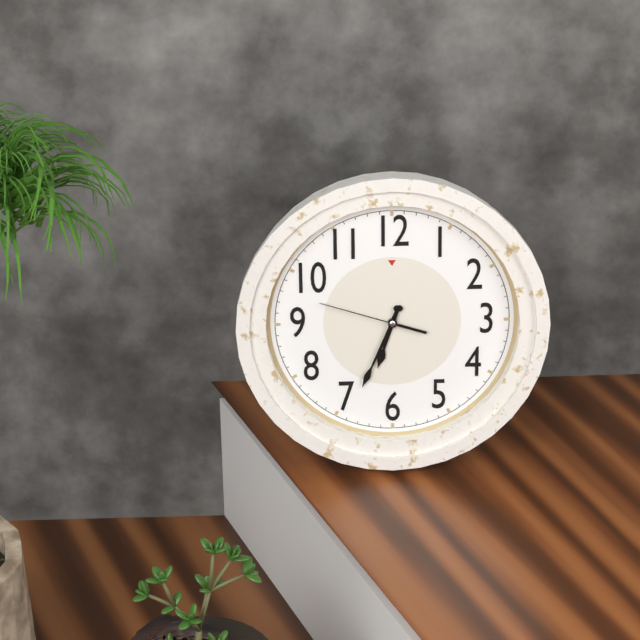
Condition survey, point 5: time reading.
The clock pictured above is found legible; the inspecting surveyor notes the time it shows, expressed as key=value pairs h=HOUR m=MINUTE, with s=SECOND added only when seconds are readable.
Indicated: h=6 m=34 s=48
